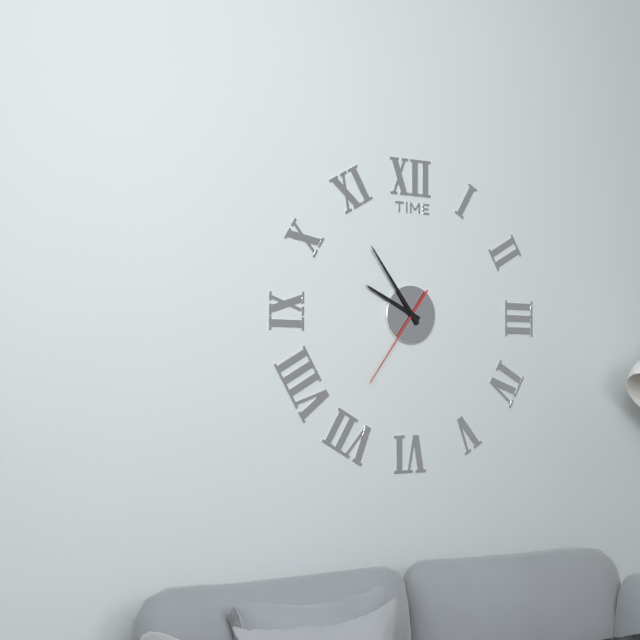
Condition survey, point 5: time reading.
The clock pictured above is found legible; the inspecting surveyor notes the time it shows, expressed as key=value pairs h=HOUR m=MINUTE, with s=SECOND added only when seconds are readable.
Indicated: h=9 m=54 s=36
